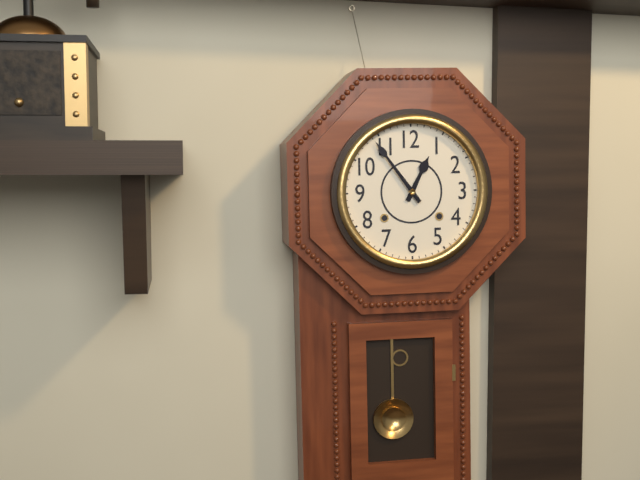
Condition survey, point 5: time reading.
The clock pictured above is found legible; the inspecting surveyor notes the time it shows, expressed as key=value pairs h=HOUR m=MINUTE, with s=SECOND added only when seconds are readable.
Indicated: h=12 m=54
